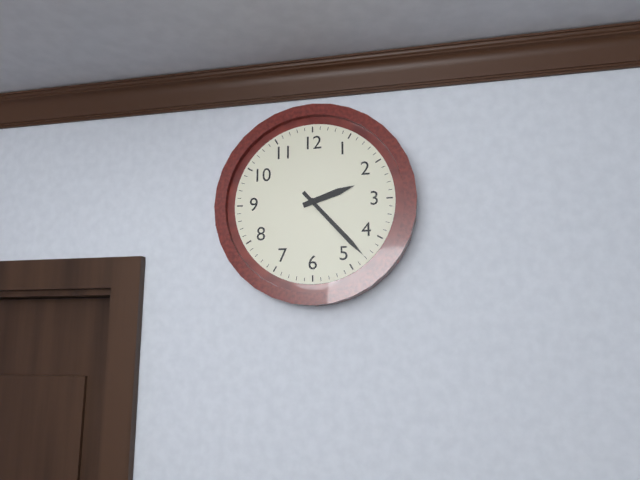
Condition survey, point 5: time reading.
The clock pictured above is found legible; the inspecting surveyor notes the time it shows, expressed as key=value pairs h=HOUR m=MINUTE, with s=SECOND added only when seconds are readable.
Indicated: h=2 m=23
